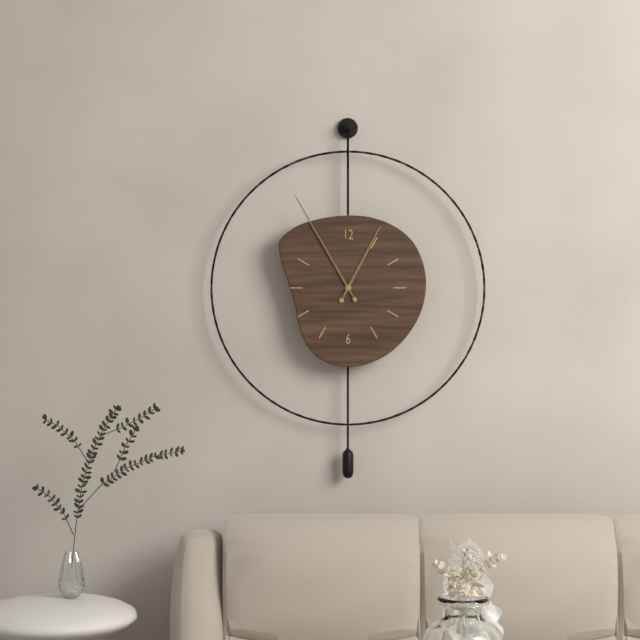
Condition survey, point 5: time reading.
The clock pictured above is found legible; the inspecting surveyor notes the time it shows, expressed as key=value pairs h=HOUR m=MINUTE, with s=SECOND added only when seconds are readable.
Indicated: h=12 m=55
